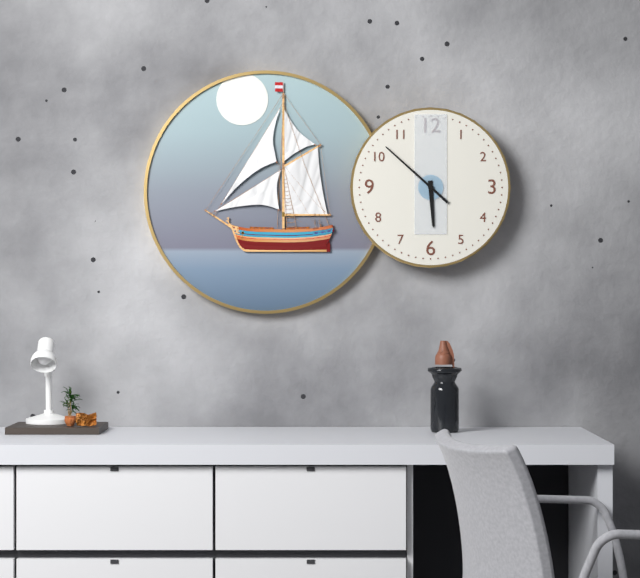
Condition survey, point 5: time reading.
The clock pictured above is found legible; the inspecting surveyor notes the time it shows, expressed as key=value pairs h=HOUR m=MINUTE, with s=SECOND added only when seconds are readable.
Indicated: h=5 m=52
